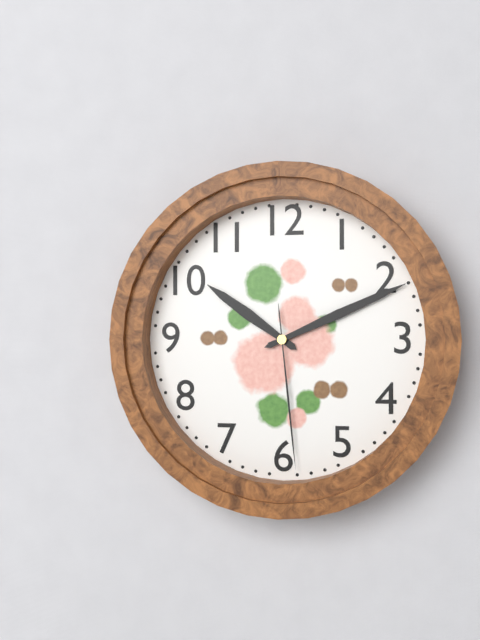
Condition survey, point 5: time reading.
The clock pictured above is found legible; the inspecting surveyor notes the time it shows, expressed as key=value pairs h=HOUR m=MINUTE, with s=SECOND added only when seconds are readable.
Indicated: h=10 m=11 s=29
